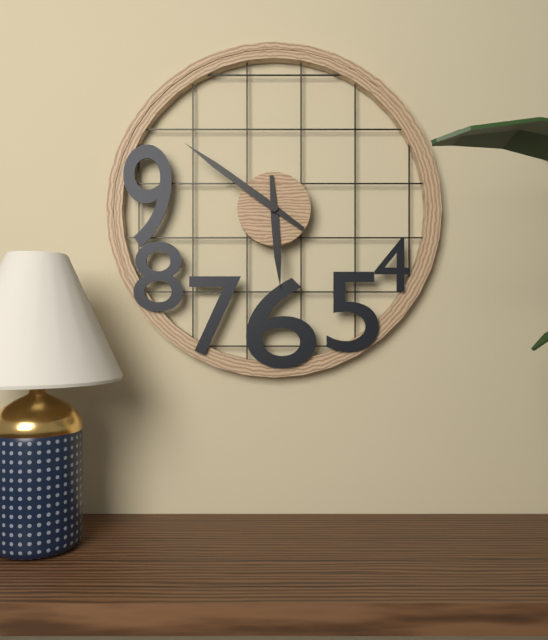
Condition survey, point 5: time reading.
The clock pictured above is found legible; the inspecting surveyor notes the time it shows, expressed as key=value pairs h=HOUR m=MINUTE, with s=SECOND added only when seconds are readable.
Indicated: h=5 m=51
